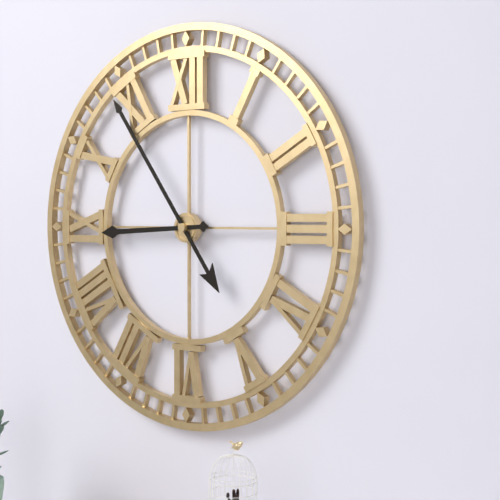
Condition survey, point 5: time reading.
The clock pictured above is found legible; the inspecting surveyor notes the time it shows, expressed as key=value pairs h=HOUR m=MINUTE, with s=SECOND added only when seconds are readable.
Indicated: h=8 m=54
